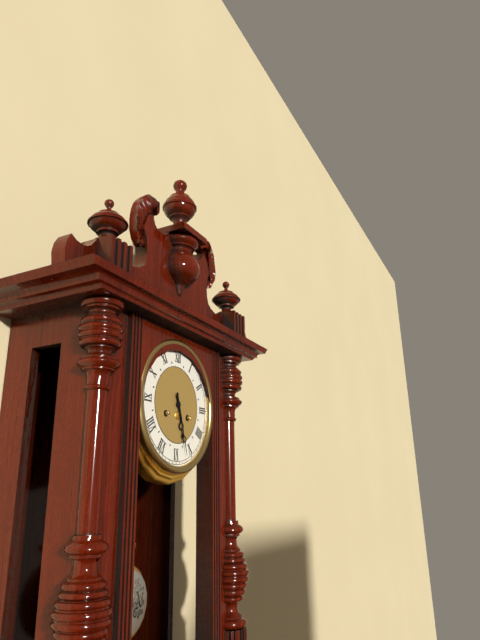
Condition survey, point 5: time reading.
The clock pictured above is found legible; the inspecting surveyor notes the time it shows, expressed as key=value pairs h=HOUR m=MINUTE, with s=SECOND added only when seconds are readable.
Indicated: h=5 m=27
